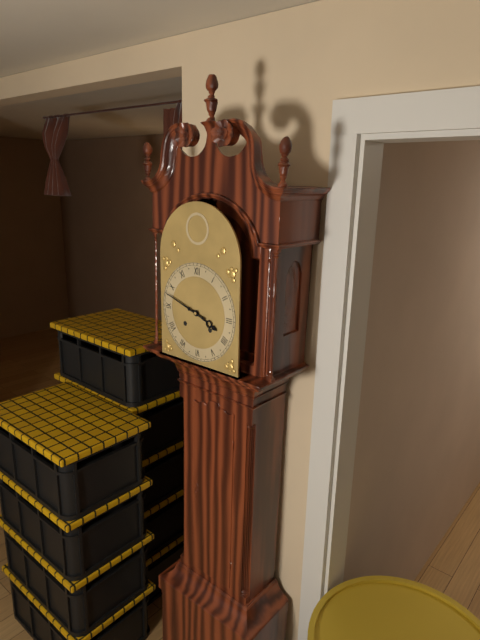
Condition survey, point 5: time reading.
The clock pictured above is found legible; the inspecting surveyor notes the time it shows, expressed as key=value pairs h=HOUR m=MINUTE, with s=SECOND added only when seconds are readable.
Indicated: h=3 m=48
